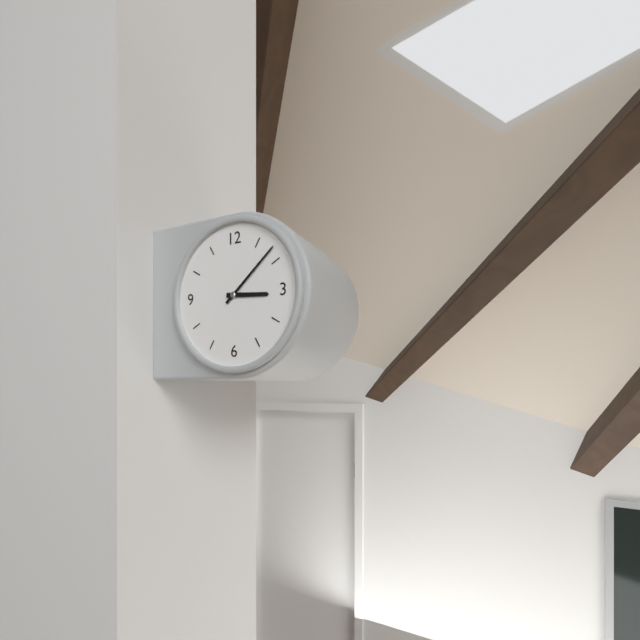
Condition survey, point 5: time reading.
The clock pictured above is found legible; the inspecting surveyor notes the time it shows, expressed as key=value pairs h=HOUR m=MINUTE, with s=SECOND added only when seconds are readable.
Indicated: h=3 m=8
